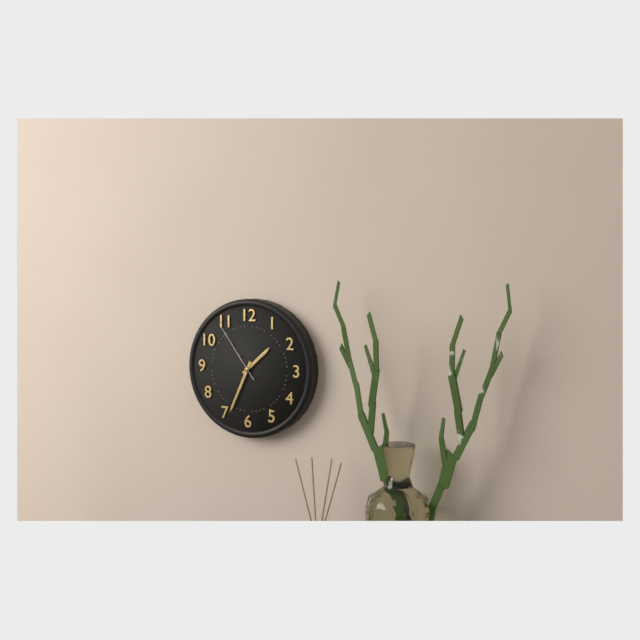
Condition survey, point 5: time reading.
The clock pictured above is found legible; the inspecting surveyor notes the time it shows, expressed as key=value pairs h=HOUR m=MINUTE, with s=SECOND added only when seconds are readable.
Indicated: h=1 m=34 s=54
